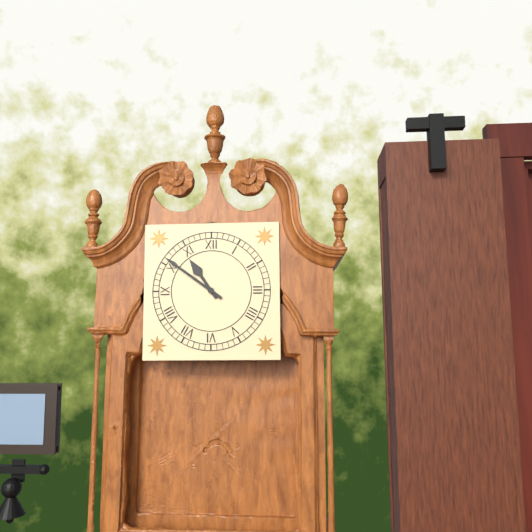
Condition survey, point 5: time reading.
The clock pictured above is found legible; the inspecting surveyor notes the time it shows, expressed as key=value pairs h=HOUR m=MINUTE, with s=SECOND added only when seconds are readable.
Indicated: h=10 m=51
